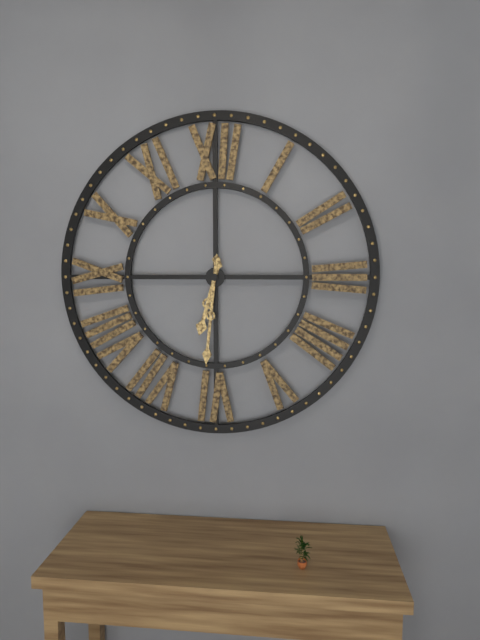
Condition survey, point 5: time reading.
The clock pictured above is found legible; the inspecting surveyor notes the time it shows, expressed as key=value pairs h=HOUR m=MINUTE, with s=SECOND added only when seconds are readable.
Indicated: h=6 m=31
